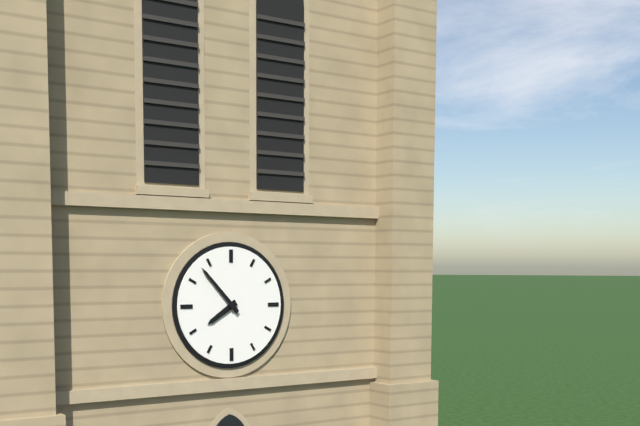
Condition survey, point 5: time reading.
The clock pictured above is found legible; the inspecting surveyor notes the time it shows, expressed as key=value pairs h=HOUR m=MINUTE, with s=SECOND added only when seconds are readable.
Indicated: h=7 m=53
